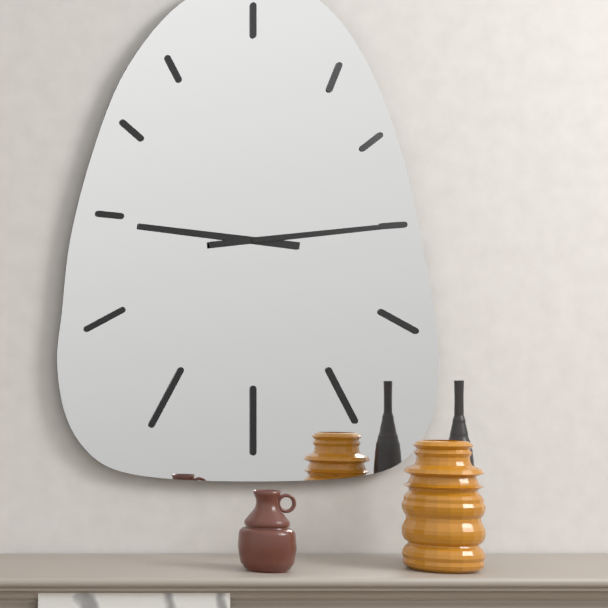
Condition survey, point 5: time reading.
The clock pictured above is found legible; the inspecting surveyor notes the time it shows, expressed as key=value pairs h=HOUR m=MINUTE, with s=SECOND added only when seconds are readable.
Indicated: h=9 m=14
